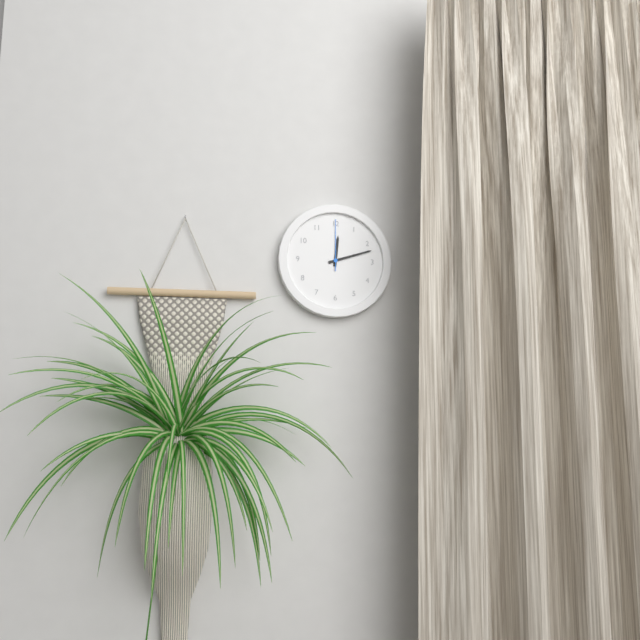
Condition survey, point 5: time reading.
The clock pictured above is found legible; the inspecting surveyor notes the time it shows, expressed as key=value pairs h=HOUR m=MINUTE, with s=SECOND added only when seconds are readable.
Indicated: h=12 m=12 s=0
